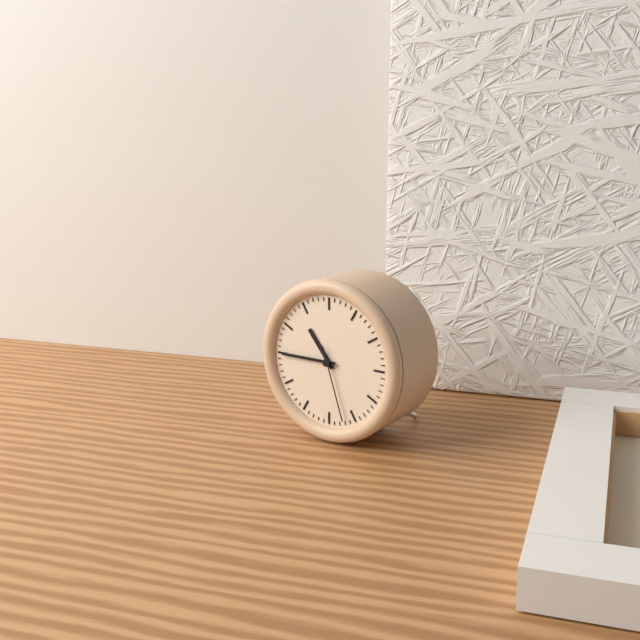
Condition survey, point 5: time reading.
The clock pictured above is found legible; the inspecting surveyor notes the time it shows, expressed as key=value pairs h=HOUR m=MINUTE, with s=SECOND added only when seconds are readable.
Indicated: h=10 m=45 s=27
